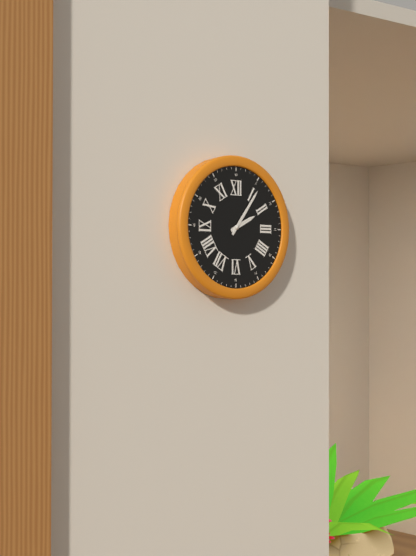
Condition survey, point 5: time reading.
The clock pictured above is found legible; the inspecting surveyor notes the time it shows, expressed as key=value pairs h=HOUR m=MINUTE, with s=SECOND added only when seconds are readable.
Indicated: h=2 m=6
